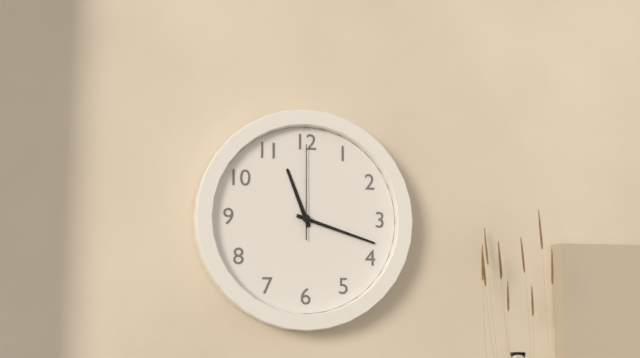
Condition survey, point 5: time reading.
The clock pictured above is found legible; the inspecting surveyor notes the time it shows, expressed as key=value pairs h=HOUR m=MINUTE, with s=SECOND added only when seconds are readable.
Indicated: h=11 m=18 s=0
